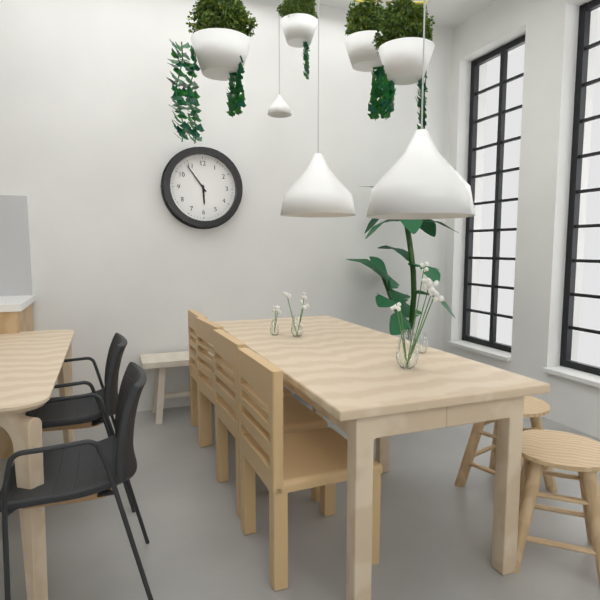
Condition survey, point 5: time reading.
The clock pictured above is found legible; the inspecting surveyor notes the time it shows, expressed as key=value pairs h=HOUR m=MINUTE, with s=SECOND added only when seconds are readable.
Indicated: h=5 m=54
